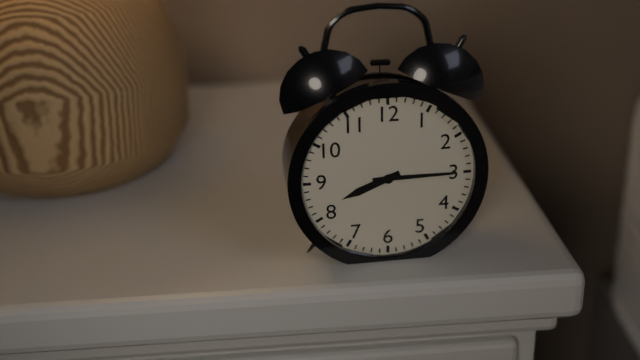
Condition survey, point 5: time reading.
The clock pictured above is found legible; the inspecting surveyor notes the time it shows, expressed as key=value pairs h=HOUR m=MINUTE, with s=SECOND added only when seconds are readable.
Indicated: h=8 m=15
